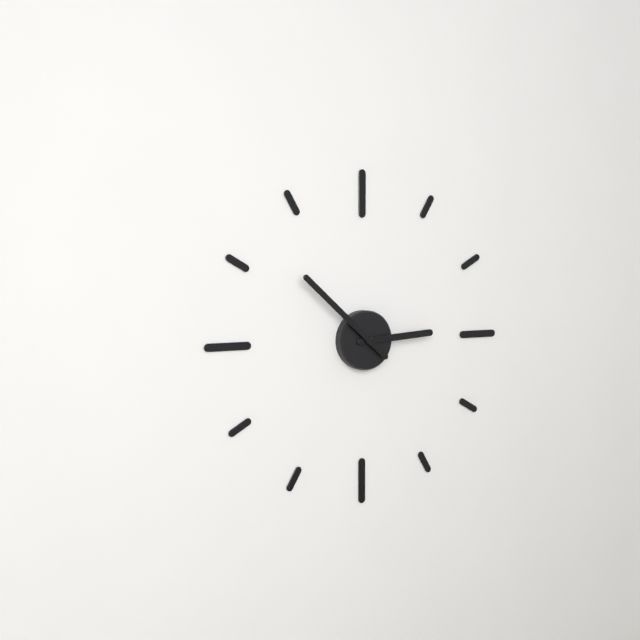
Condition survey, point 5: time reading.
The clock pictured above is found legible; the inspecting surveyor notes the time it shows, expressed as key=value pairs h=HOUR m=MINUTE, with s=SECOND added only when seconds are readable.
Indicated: h=2 m=52
